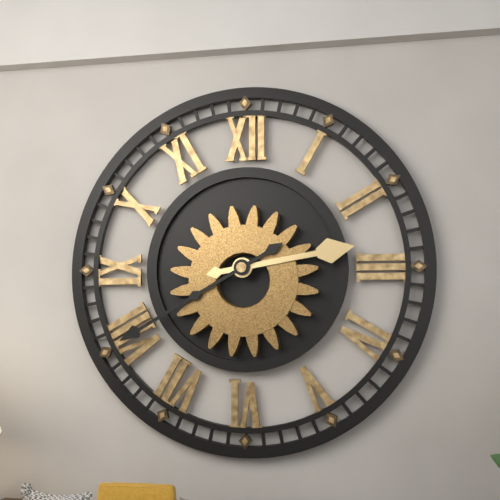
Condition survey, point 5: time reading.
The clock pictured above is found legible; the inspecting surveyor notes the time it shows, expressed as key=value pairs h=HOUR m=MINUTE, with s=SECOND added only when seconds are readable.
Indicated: h=2 m=40
